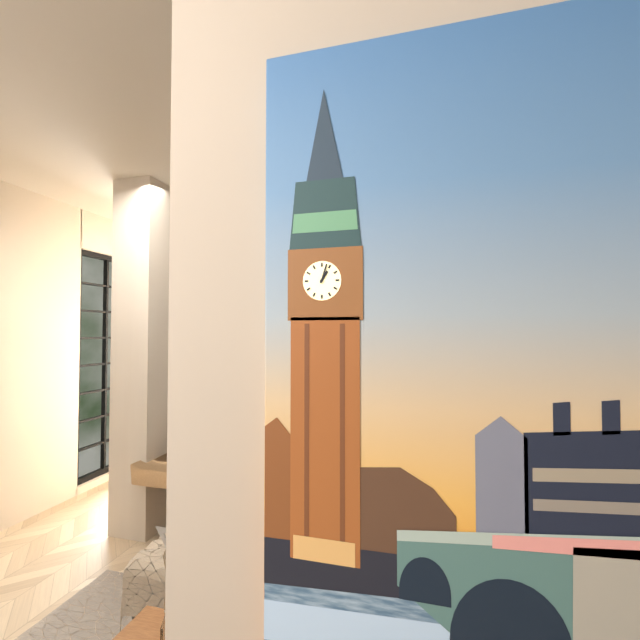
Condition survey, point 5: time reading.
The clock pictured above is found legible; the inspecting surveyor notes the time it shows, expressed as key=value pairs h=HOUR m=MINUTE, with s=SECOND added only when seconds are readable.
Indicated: h=1 m=3
